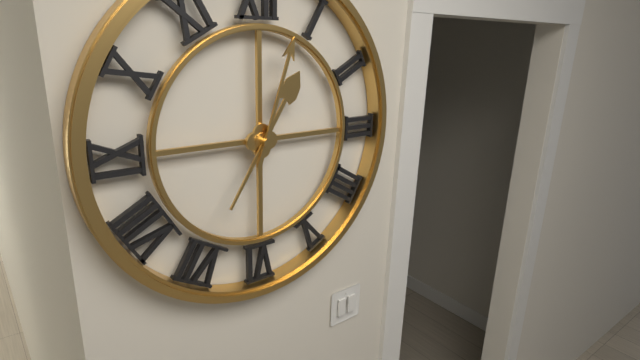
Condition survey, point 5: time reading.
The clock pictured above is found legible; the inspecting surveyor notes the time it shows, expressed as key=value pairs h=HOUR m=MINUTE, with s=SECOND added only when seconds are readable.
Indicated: h=1 m=3
